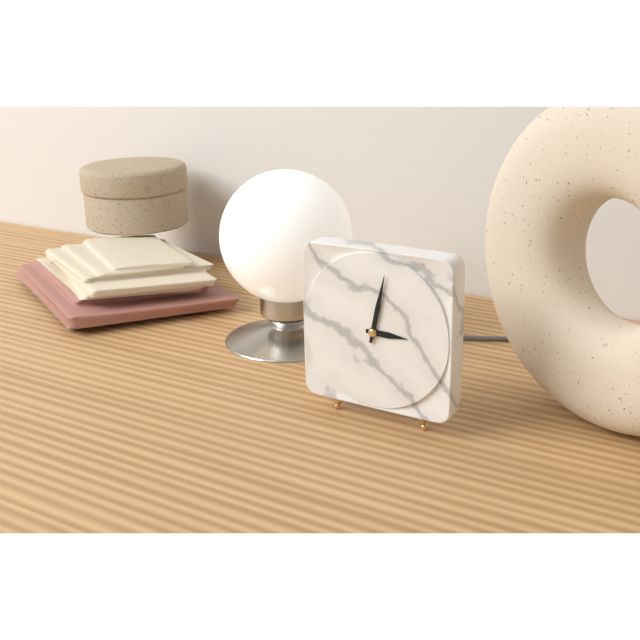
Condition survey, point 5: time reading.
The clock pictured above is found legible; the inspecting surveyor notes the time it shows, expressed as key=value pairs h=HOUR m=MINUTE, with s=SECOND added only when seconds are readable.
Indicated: h=3 m=2
